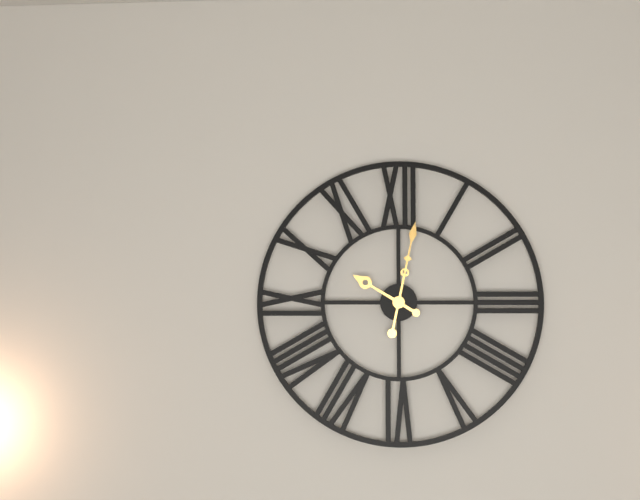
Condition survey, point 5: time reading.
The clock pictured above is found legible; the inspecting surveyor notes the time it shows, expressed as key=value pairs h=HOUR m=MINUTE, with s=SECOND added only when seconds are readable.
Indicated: h=10 m=2
